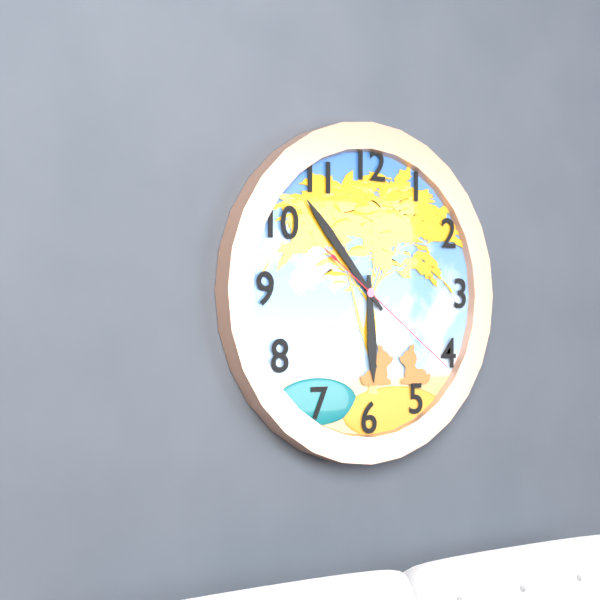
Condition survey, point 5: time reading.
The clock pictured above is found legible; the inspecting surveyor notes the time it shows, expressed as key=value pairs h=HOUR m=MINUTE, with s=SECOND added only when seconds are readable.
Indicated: h=5 m=53 s=21
